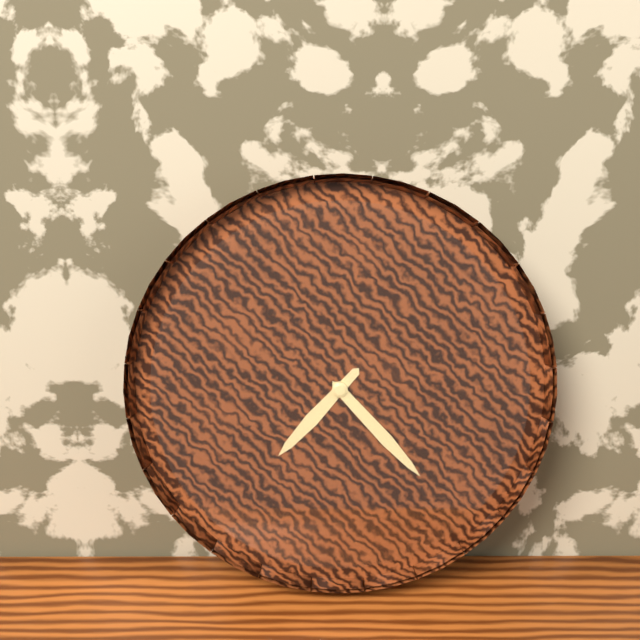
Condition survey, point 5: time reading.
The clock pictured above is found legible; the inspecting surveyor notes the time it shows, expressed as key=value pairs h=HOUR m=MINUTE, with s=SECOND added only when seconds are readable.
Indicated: h=7 m=23
